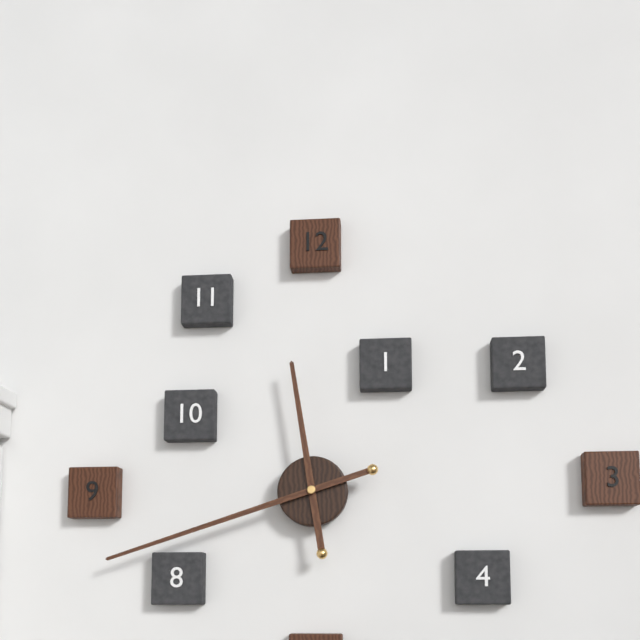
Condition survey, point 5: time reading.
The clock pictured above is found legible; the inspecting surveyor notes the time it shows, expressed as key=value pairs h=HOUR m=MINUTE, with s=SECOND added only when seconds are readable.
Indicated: h=11 m=42
